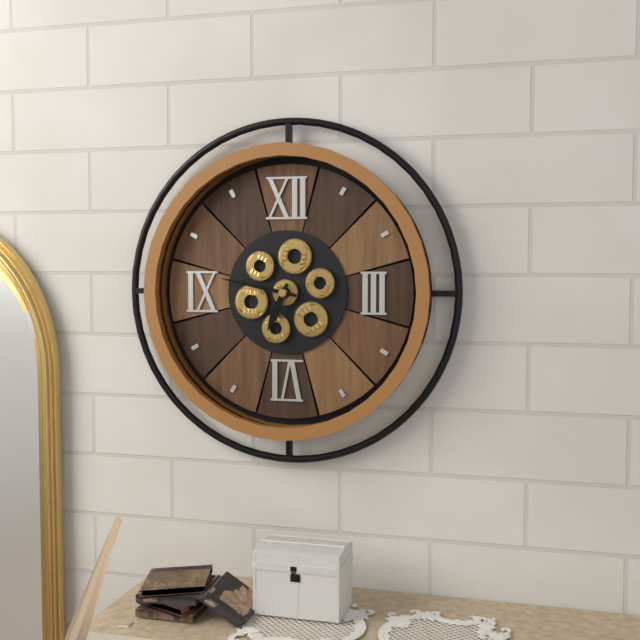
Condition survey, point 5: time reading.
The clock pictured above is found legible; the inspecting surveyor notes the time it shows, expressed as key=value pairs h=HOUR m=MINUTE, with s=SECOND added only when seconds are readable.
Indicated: h=6 m=47
